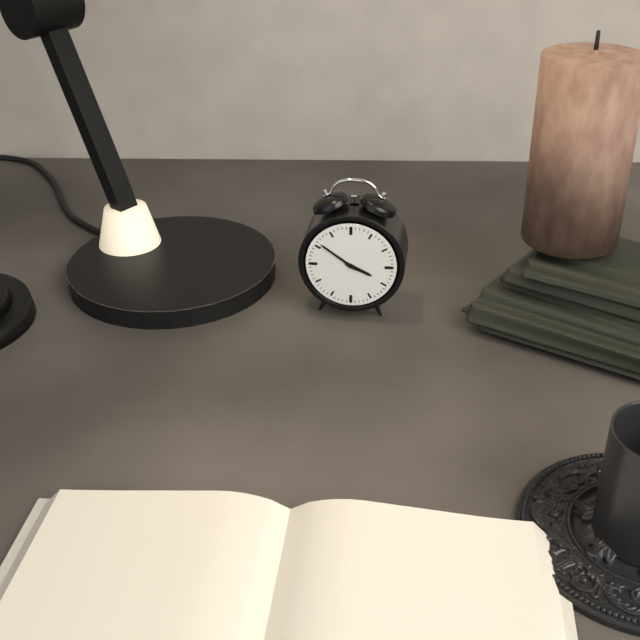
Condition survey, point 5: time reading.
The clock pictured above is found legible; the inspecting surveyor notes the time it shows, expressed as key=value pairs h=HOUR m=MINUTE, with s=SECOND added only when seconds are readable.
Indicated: h=3 m=51
